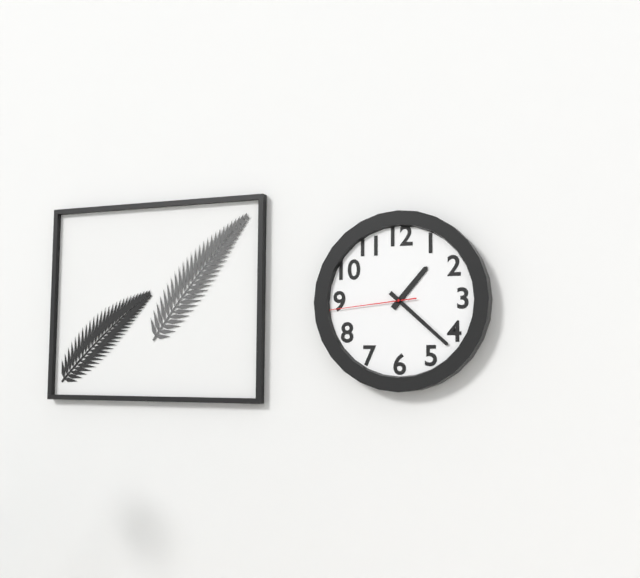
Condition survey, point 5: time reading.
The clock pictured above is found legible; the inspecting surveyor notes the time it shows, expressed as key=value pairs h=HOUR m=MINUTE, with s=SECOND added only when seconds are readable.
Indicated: h=1 m=22 s=44
